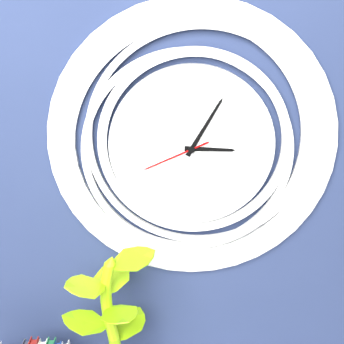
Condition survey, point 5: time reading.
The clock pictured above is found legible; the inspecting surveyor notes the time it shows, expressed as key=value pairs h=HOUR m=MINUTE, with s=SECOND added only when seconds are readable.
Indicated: h=3 m=5 s=41
